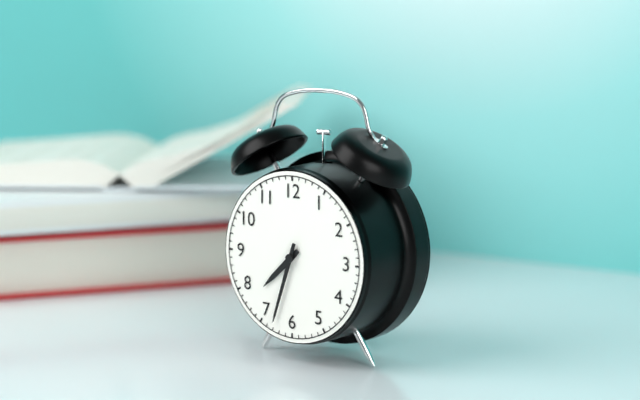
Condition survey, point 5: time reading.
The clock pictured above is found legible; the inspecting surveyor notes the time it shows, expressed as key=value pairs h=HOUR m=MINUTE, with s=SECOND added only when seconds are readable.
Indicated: h=7 m=33
